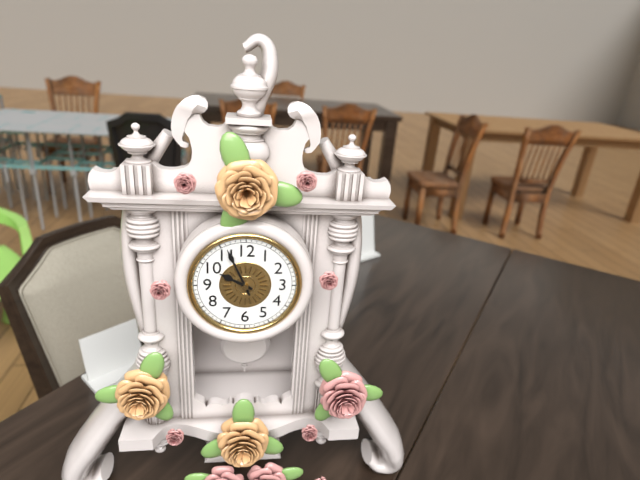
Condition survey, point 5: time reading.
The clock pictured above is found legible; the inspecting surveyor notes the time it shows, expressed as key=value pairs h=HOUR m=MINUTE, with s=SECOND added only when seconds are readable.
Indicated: h=9 m=56
